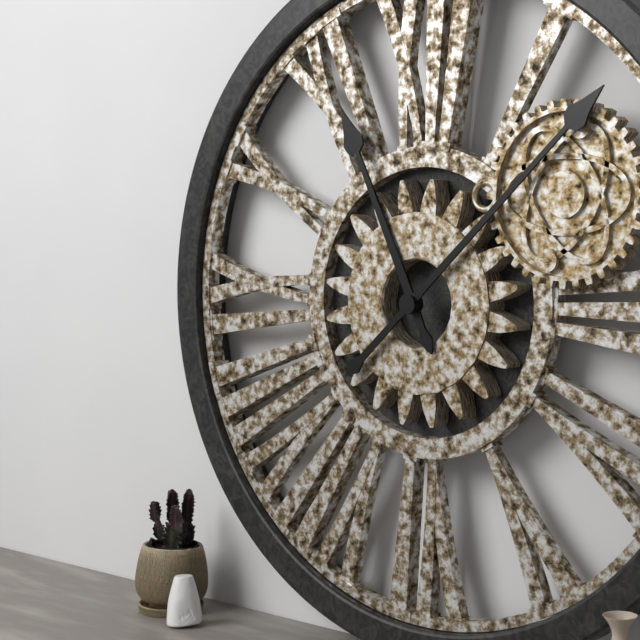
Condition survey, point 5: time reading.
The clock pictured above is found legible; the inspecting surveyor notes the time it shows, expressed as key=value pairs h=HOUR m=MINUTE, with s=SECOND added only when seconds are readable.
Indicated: h=11 m=8
